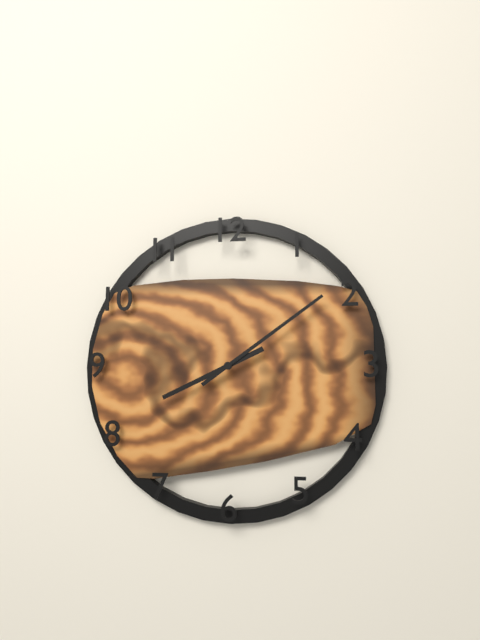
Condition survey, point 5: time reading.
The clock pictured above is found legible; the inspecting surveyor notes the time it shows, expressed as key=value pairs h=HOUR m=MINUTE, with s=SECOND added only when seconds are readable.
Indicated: h=8 m=9
